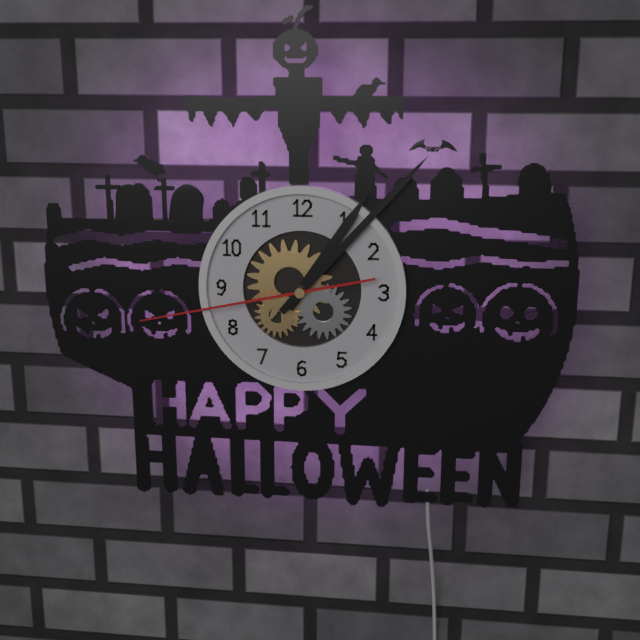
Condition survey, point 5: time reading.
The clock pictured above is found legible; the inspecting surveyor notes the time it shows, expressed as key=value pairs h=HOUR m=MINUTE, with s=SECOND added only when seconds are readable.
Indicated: h=1 m=7 s=43
